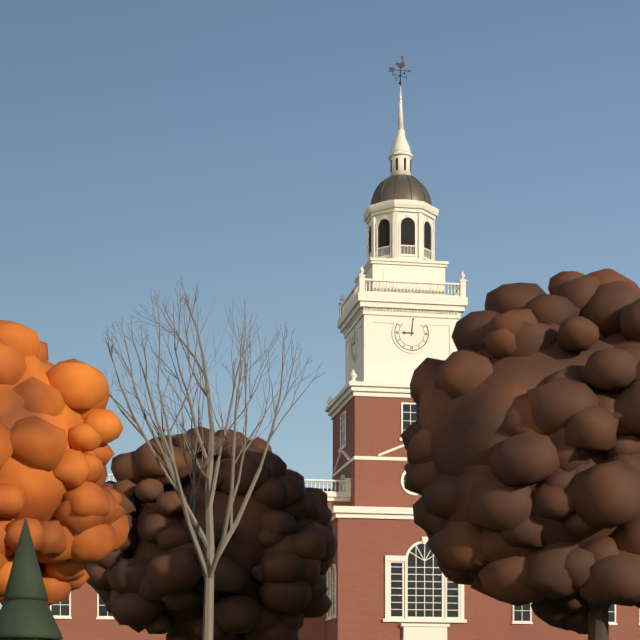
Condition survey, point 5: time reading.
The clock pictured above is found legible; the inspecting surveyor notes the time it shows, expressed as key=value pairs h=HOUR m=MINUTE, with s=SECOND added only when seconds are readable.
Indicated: h=9 m=1
